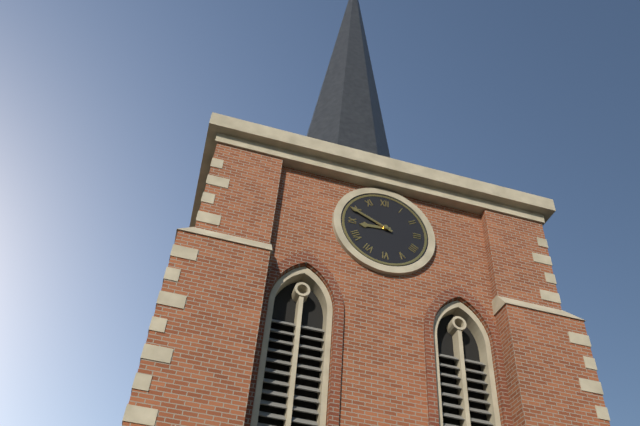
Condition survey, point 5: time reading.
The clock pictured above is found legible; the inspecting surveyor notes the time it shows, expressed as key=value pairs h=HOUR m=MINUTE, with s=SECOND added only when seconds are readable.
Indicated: h=8 m=49
